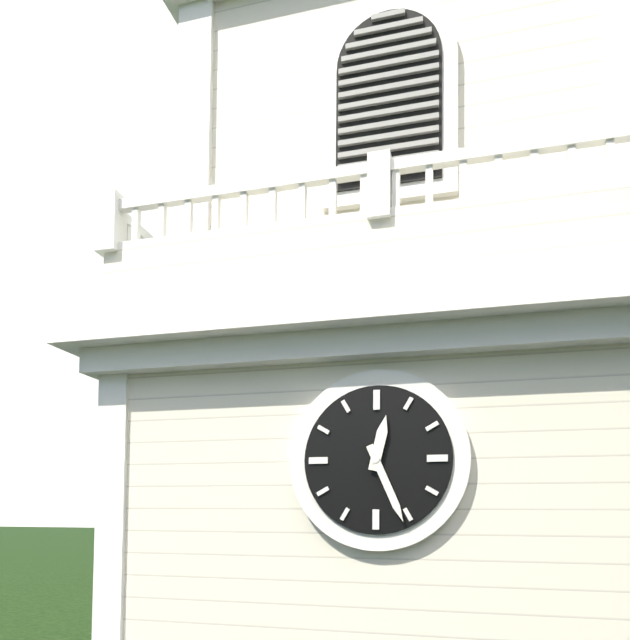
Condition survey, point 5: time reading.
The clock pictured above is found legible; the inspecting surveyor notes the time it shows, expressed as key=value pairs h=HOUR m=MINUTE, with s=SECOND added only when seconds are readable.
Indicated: h=12 m=26
